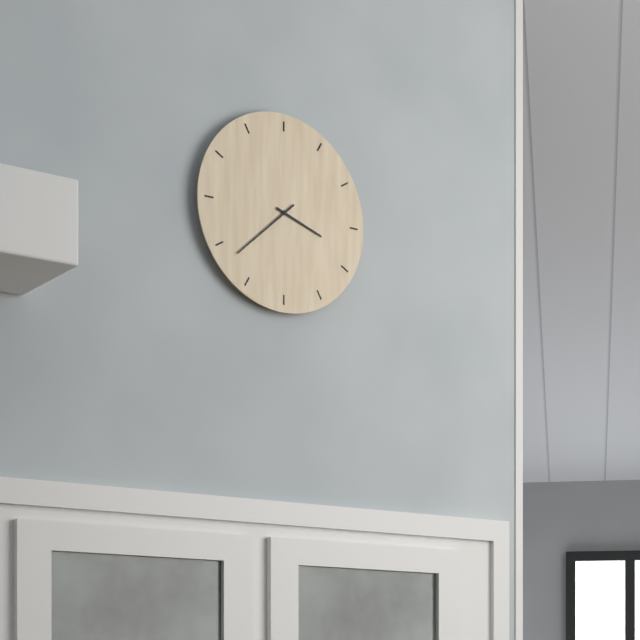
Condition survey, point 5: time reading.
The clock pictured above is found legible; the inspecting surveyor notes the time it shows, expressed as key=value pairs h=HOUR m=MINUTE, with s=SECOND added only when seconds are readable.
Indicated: h=3 m=38
